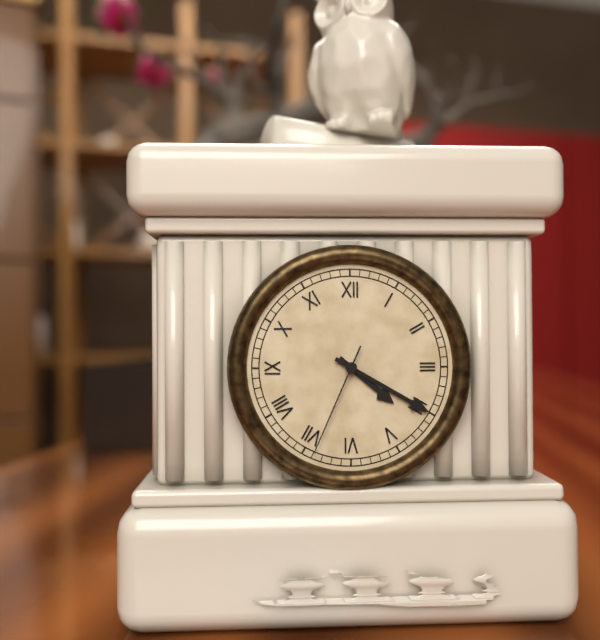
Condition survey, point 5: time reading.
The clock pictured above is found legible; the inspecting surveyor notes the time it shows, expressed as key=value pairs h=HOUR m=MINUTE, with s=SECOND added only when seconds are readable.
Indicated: h=4 m=20 s=34
